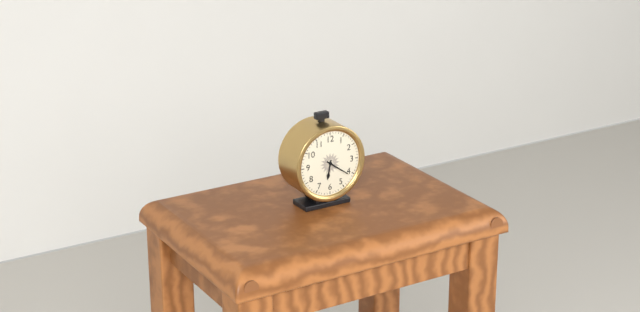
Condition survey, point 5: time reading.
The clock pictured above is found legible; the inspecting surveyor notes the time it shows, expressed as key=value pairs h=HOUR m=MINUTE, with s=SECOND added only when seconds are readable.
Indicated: h=6 m=21
